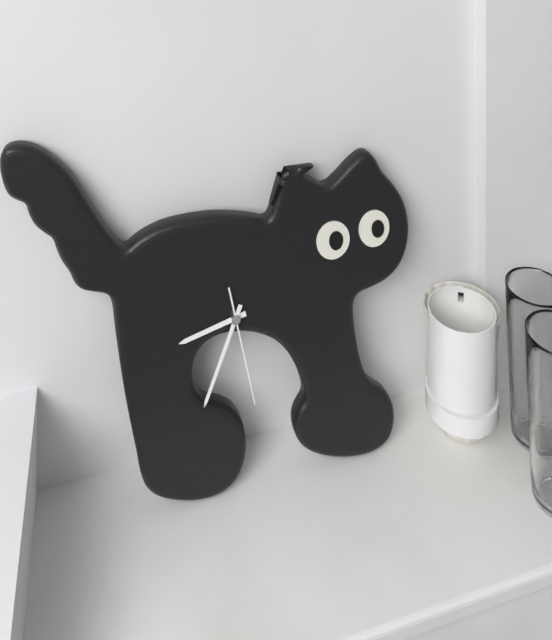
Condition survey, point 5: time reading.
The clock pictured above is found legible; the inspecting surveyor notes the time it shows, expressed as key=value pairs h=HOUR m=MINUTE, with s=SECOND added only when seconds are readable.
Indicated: h=8 m=34 s=28
